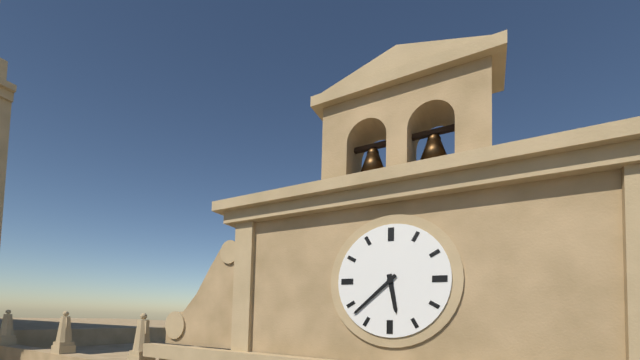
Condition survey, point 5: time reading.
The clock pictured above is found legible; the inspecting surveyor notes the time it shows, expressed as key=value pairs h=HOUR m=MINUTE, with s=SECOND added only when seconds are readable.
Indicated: h=5 m=38
